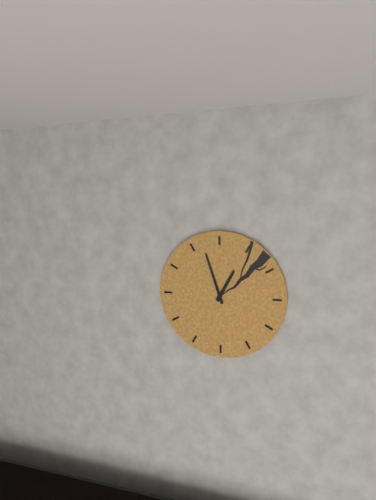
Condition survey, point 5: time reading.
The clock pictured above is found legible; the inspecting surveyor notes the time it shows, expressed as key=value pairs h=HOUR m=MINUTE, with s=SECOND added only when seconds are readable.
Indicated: h=12 m=57
